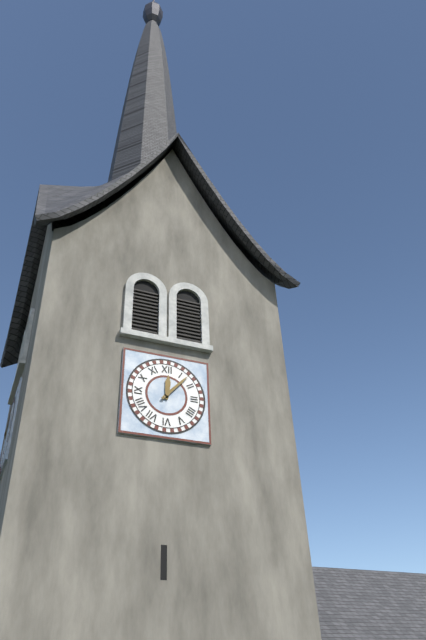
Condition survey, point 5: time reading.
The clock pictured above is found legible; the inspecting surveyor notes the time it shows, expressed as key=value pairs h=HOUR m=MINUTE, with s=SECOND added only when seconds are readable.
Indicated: h=12 m=7
